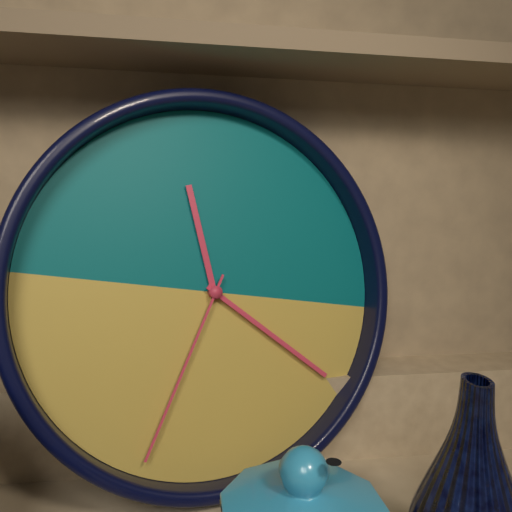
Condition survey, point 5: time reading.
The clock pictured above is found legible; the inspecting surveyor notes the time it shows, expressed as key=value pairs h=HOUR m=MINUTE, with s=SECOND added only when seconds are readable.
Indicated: h=11 m=20 s=33
